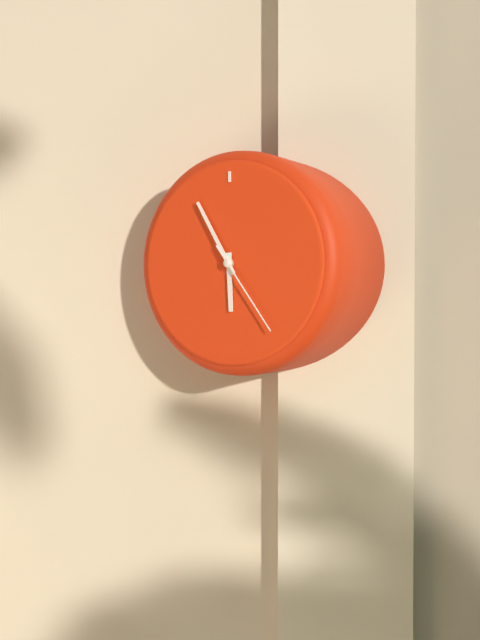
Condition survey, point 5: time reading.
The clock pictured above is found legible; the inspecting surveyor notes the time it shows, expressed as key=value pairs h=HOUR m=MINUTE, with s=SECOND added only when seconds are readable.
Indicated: h=5 m=55 s=24
